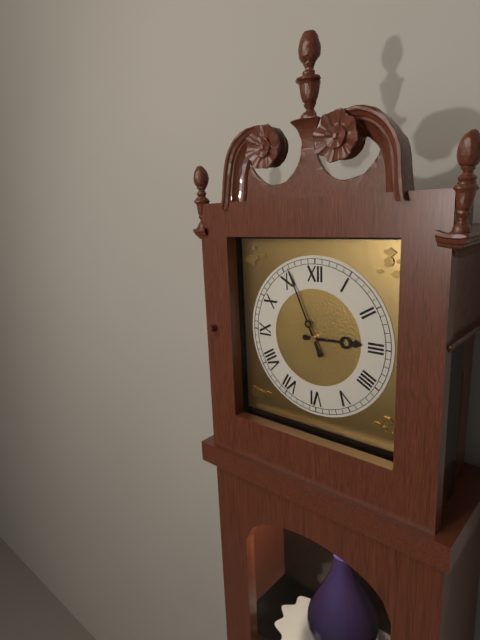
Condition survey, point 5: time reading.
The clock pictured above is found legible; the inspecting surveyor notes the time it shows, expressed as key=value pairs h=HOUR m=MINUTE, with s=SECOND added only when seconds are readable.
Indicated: h=2 m=56
